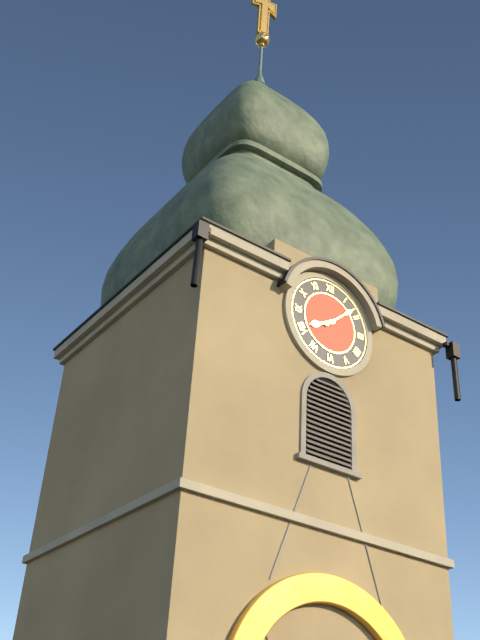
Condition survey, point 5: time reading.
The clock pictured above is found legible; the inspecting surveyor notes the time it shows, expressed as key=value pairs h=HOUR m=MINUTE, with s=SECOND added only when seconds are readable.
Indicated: h=8 m=8
